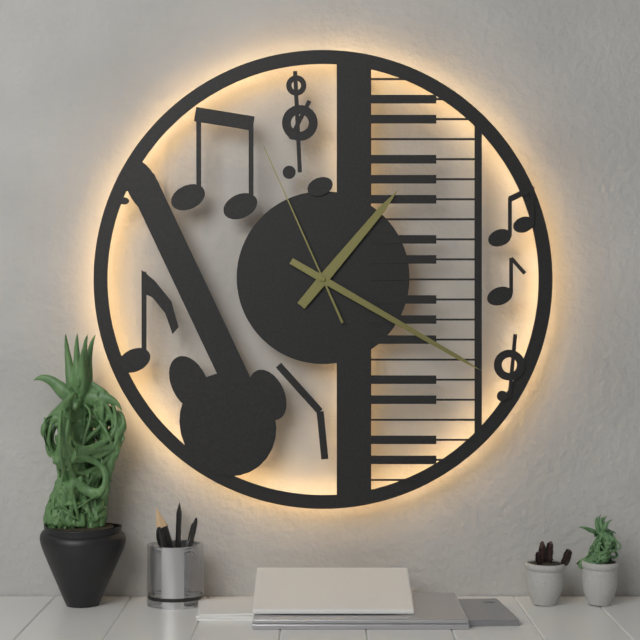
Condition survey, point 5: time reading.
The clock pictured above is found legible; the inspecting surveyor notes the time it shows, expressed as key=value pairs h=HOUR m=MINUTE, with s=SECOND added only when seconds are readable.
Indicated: h=1 m=20 s=56
